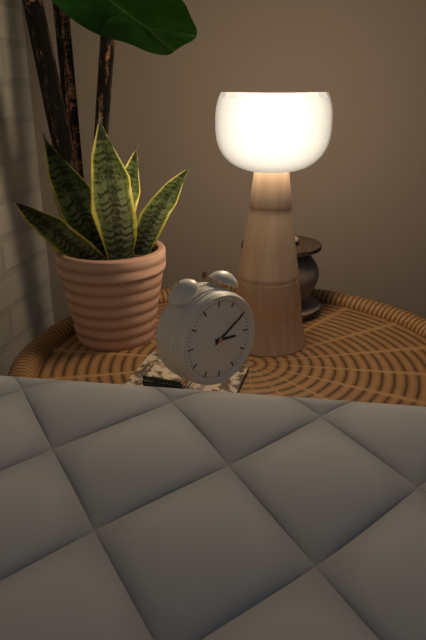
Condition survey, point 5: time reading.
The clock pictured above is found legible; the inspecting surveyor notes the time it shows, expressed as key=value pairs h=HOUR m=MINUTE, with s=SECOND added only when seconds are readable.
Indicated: h=3 m=10
